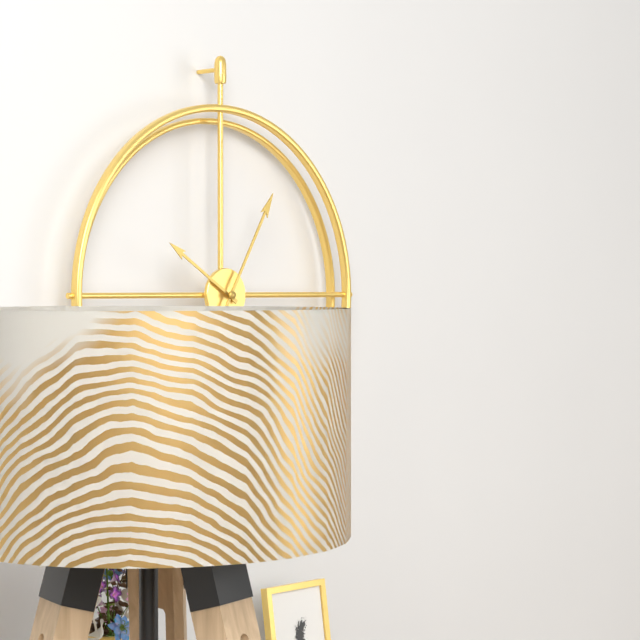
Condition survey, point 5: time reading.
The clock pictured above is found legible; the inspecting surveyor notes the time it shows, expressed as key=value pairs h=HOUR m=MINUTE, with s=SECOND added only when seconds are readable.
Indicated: h=10 m=5
